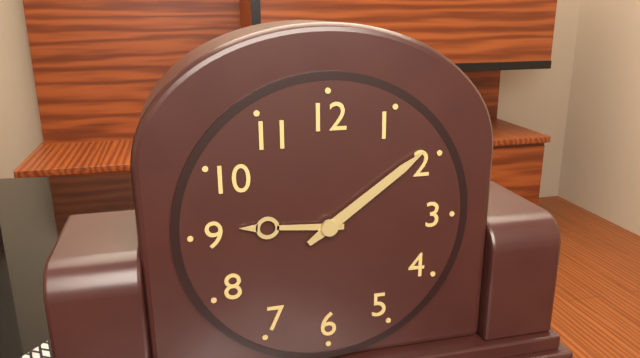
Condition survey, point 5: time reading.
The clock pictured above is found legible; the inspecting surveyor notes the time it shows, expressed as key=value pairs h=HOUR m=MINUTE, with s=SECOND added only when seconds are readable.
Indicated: h=9 m=9
